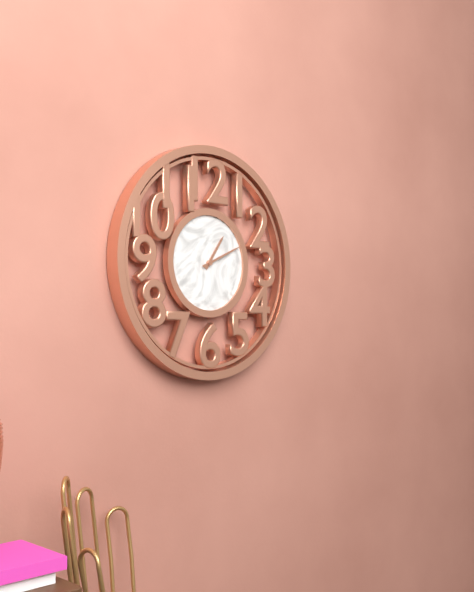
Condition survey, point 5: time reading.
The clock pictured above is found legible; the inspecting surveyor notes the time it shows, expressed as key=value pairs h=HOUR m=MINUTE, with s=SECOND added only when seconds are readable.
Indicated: h=1 m=11
